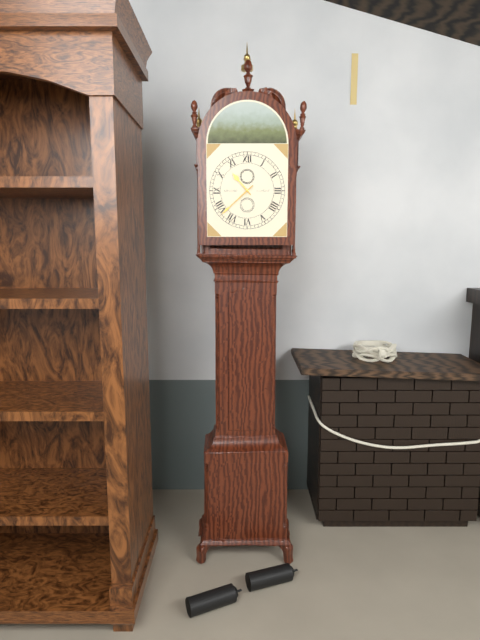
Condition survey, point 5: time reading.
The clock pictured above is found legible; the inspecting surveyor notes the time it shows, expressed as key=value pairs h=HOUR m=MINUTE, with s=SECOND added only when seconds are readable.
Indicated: h=10 m=38
